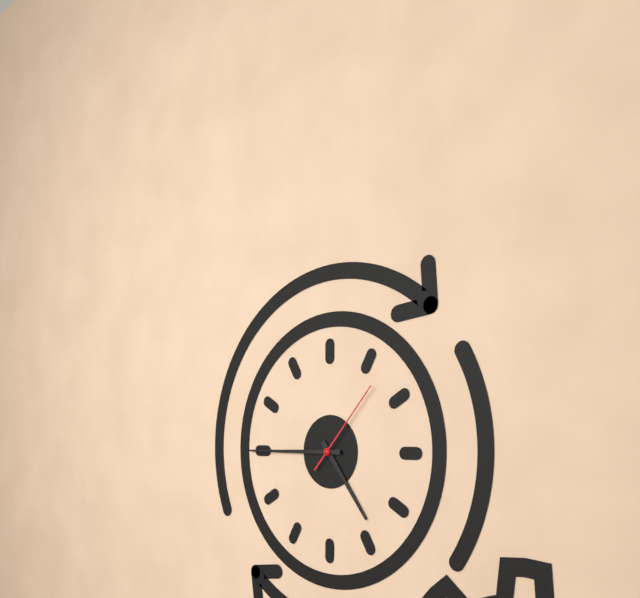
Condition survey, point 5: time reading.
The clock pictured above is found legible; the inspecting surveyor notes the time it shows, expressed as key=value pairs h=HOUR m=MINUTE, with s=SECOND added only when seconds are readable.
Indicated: h=4 m=45 s=7
